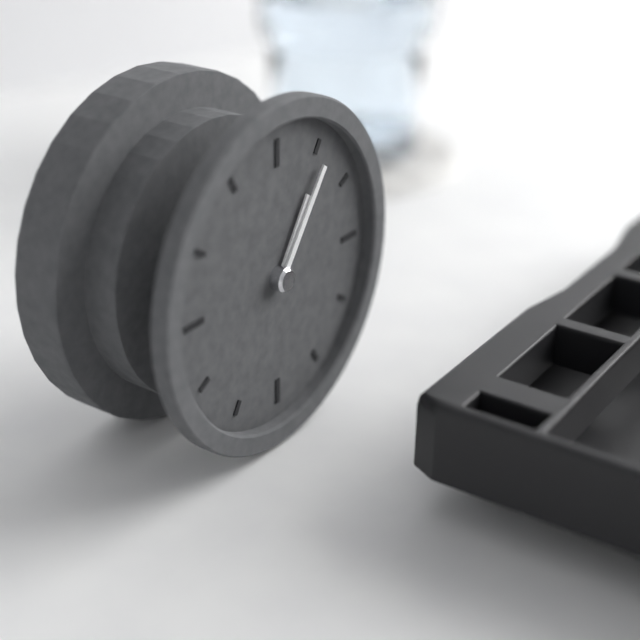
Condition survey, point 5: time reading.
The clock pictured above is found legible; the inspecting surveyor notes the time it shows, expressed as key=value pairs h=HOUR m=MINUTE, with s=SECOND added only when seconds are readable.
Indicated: h=1 m=6
